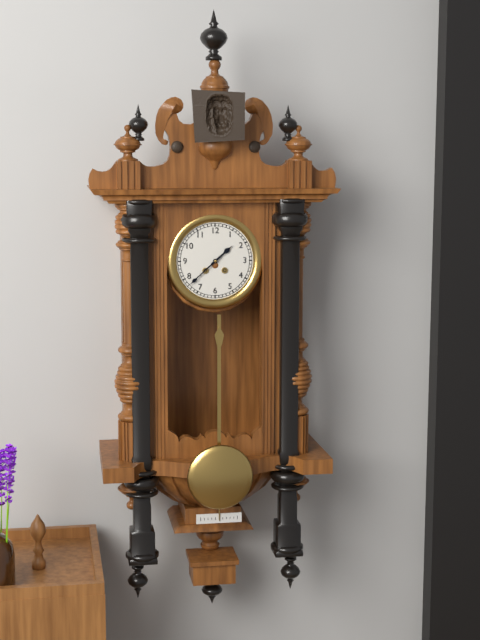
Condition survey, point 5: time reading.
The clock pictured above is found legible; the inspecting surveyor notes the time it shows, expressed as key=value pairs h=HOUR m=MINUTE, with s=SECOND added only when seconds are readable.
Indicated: h=1 m=38
